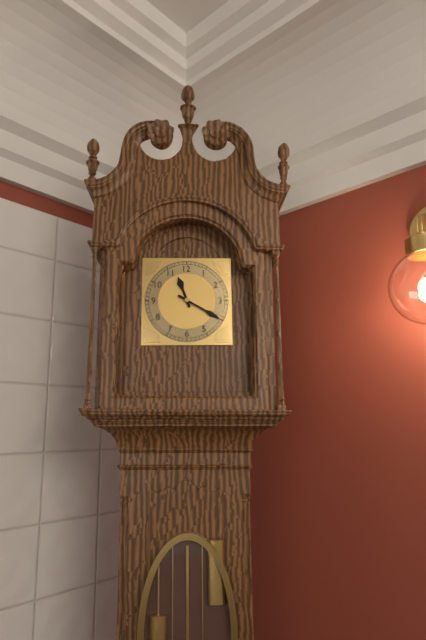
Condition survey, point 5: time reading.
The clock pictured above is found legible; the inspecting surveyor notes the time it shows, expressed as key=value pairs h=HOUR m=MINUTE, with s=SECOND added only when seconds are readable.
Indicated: h=11 m=20
